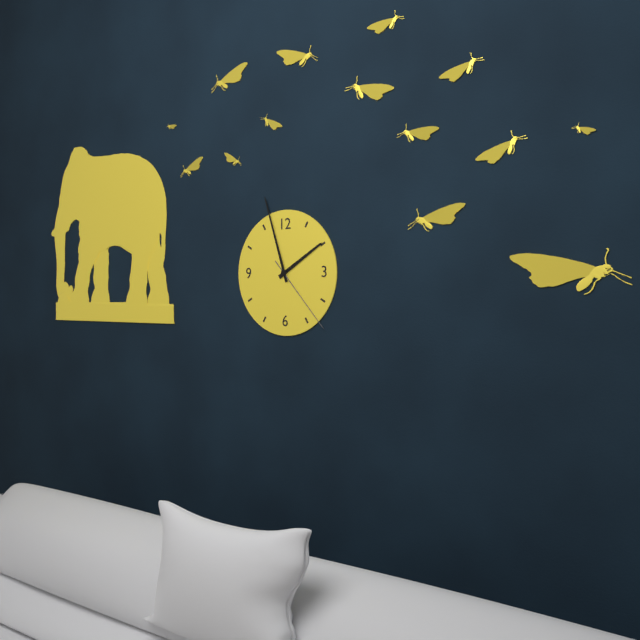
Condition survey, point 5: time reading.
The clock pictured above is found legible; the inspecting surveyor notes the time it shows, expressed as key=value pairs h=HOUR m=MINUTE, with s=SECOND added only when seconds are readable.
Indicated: h=1 m=57 s=23
